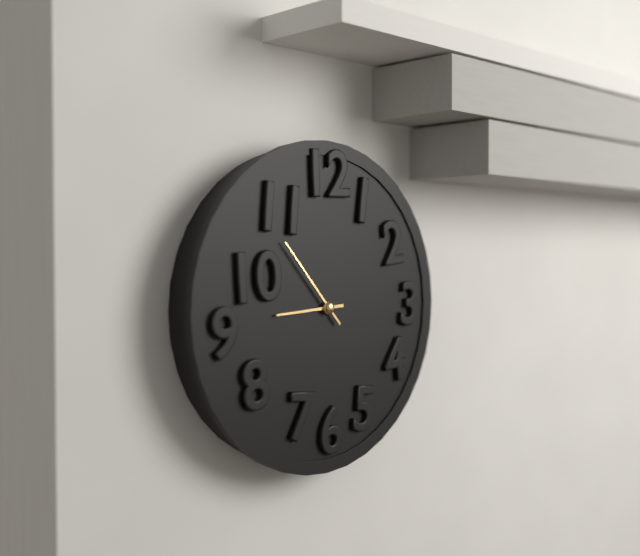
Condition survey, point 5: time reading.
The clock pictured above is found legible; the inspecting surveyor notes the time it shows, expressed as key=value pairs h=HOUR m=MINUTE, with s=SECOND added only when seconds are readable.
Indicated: h=8 m=53
